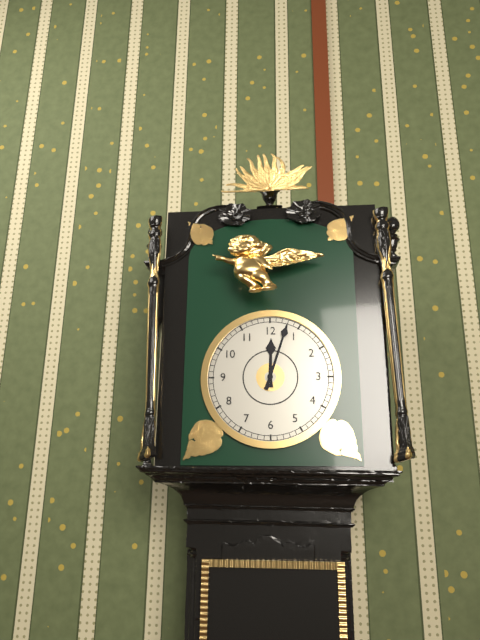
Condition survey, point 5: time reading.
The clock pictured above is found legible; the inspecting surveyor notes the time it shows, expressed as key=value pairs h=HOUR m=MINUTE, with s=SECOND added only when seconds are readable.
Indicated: h=12 m=3
